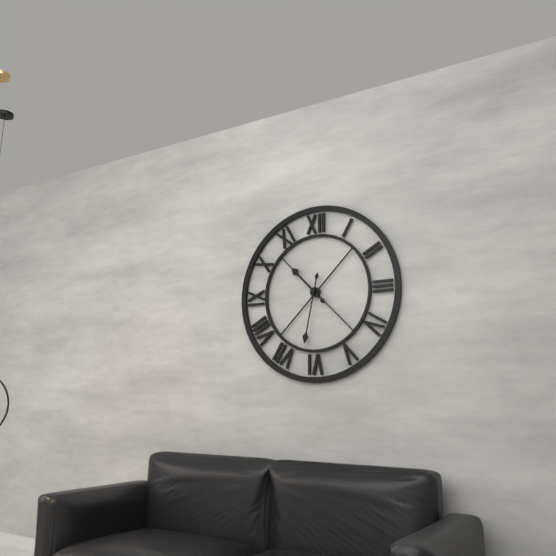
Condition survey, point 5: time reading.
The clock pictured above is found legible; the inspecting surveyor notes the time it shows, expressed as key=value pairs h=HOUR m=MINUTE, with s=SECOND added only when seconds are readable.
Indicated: h=10 m=32
